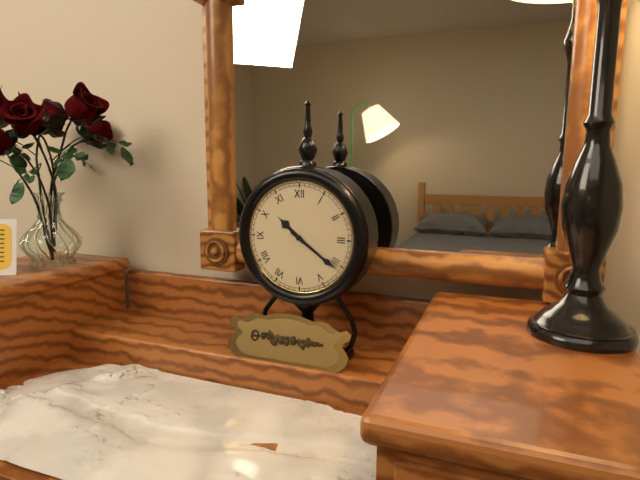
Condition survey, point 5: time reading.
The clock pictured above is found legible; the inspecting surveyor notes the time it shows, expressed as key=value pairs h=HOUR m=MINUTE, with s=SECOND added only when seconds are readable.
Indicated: h=10 m=21
